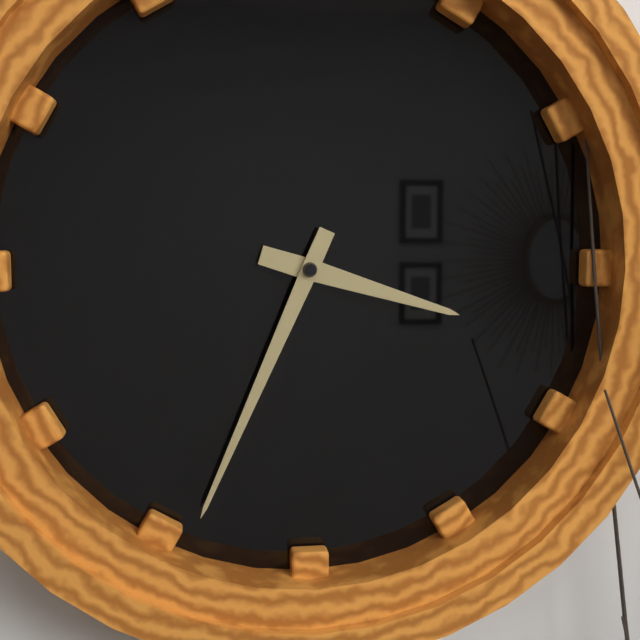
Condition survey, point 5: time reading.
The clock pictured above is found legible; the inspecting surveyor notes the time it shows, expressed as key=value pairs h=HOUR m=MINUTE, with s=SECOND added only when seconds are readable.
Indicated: h=3 m=34
